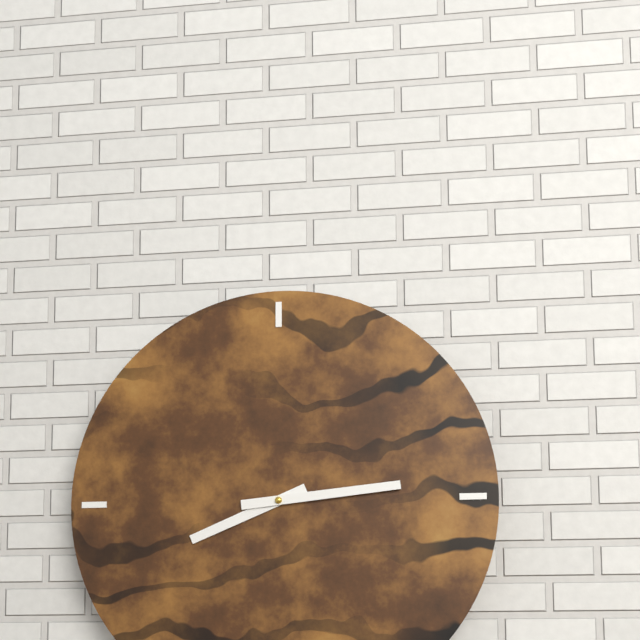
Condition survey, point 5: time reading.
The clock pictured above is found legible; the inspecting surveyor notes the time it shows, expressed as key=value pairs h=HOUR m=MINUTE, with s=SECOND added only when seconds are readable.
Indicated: h=8 m=14
